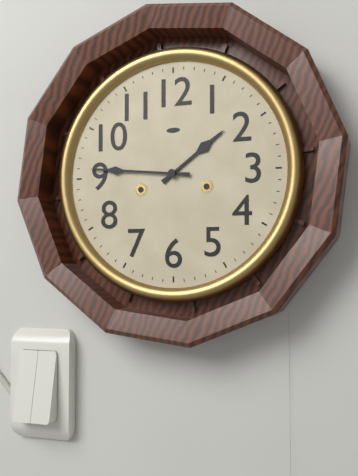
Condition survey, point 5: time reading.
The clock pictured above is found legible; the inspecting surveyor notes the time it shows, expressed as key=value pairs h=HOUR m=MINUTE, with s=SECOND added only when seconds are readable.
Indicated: h=1 m=46
